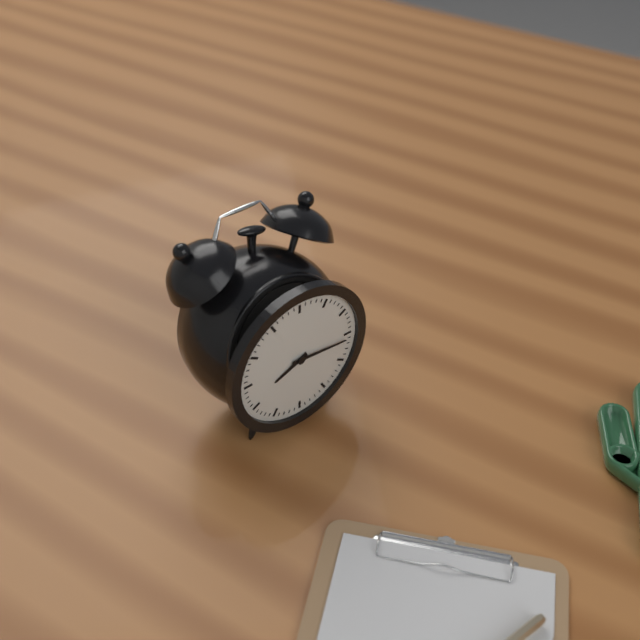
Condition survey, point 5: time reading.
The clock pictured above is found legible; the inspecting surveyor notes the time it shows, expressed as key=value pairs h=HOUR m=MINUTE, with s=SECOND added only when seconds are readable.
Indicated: h=8 m=16
